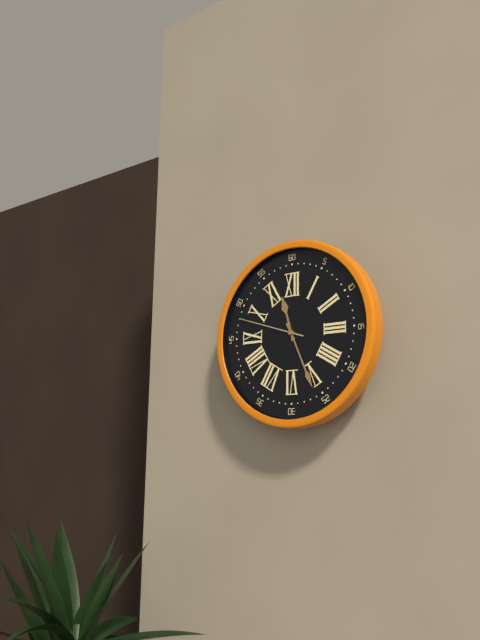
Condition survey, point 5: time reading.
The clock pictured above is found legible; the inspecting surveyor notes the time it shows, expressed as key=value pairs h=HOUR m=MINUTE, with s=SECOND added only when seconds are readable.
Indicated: h=11 m=26 s=48
